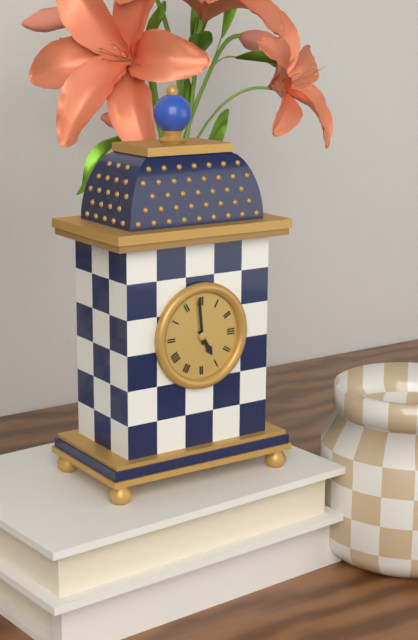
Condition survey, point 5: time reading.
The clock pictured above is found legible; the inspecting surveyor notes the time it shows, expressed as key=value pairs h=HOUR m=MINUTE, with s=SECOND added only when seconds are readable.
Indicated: h=4 m=59
